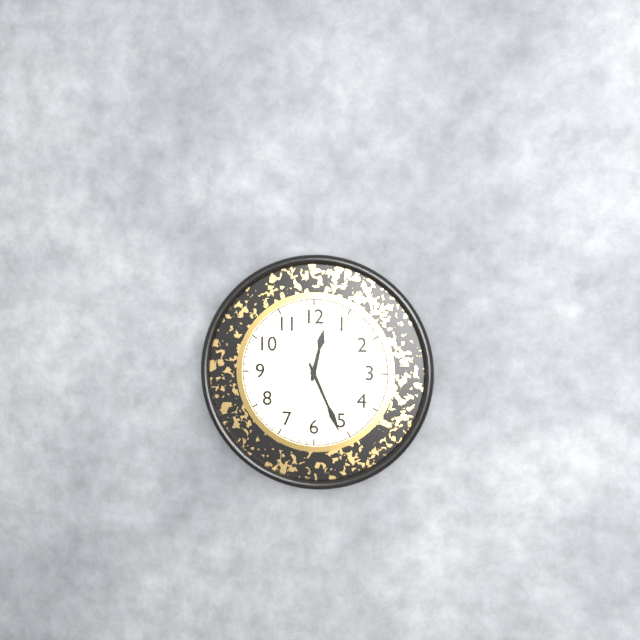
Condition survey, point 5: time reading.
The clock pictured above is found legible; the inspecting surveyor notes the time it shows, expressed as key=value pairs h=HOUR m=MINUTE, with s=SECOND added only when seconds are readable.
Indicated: h=12 m=26
